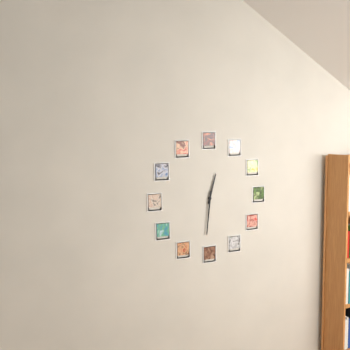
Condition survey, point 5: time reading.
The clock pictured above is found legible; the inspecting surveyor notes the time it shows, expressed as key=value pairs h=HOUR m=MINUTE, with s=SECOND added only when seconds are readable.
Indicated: h=12 m=31
